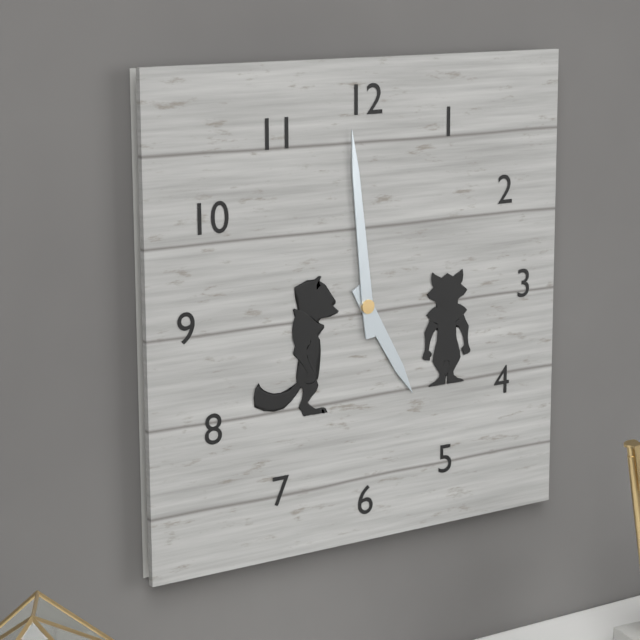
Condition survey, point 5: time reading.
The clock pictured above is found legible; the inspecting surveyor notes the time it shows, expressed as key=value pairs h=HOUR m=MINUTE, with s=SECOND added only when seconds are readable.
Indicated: h=4 m=59
